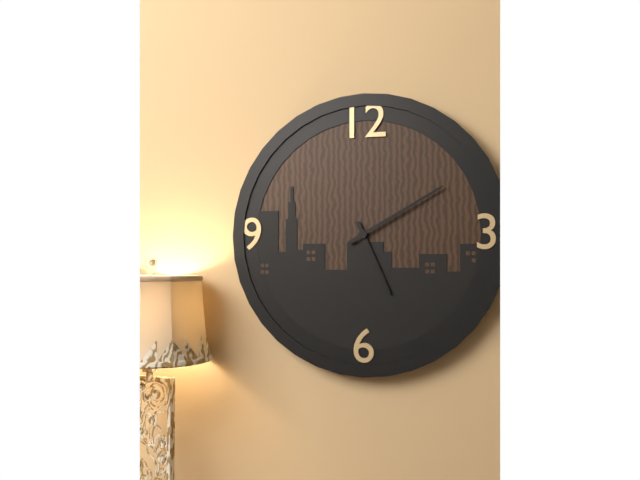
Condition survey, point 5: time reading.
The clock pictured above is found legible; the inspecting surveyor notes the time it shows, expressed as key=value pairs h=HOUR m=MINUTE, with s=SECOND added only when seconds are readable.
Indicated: h=5 m=10
